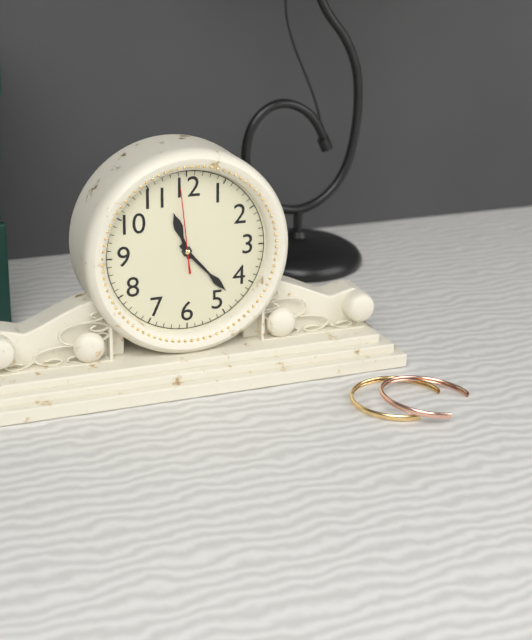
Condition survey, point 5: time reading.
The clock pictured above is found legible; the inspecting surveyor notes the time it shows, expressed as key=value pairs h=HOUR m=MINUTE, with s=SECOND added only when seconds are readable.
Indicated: h=11 m=23 s=59
